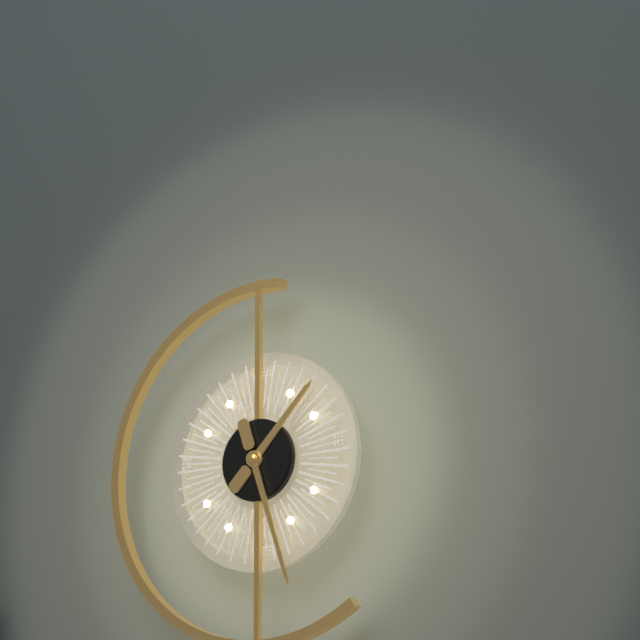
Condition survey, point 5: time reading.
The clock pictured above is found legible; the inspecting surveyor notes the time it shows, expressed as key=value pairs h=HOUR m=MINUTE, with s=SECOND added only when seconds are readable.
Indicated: h=1 m=27
